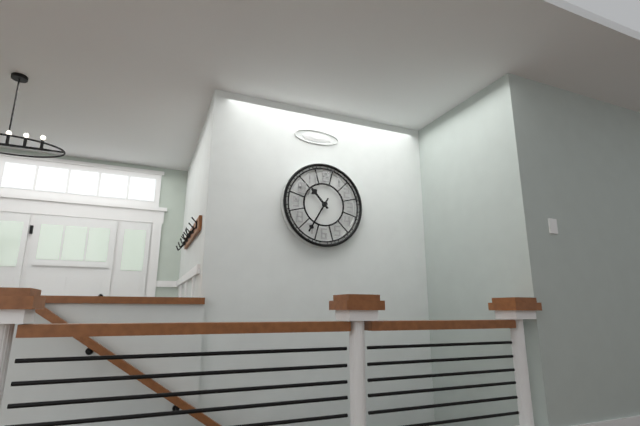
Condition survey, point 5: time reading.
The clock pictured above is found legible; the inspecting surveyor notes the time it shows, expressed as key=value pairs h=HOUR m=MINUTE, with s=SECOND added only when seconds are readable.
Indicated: h=10 m=35
